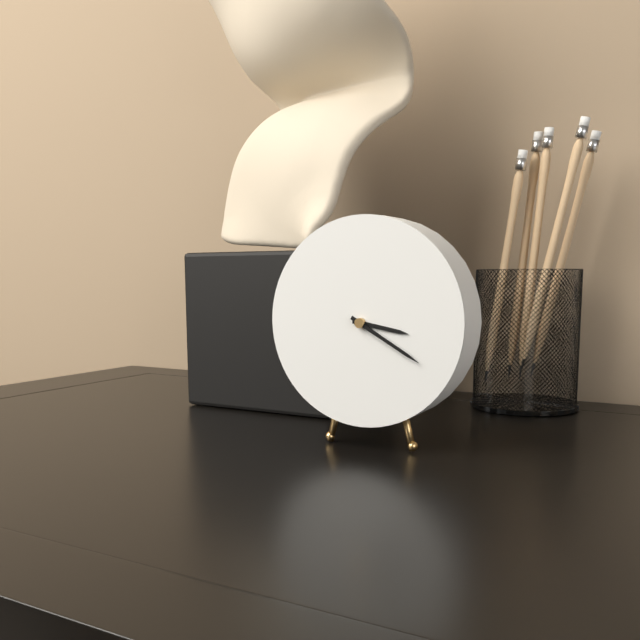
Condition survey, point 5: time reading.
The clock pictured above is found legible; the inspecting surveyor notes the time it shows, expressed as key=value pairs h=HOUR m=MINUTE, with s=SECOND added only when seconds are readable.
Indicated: h=3 m=20
